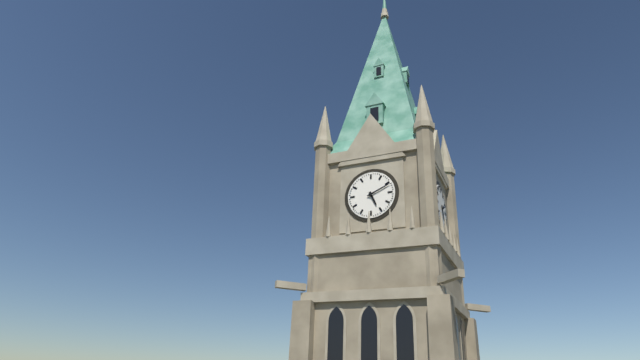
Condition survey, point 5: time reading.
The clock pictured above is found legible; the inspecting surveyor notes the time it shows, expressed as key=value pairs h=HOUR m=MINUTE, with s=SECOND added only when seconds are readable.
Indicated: h=5 m=11
